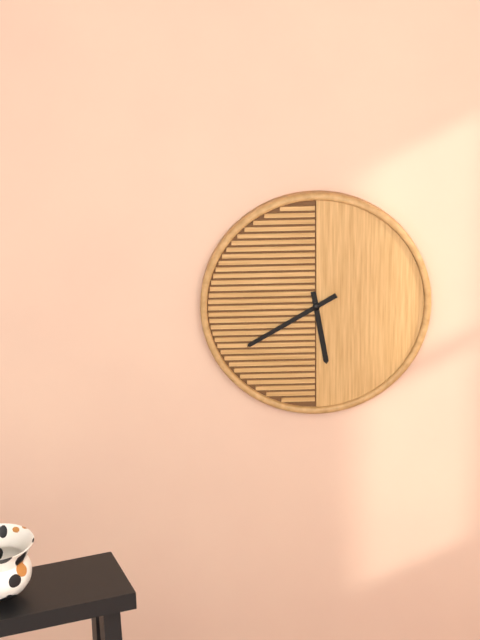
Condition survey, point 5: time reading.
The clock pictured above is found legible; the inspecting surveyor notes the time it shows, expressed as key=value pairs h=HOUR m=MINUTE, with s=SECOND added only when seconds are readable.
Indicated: h=5 m=40
